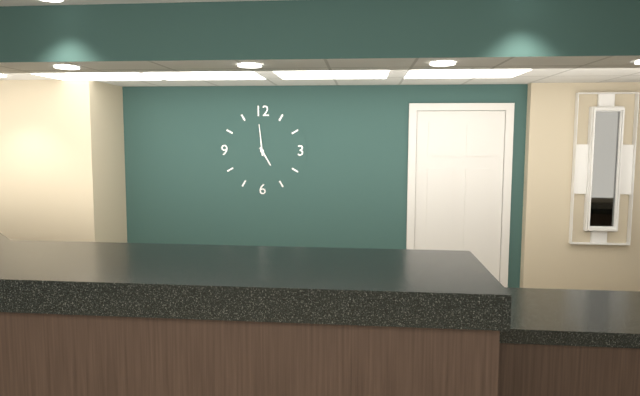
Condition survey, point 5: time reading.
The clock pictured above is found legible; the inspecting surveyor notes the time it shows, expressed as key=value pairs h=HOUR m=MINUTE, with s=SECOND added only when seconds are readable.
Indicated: h=4 m=59
